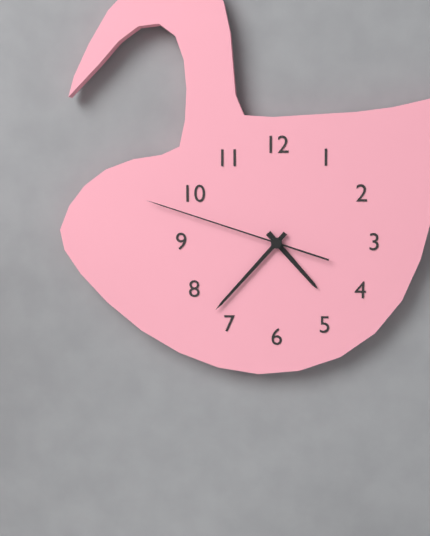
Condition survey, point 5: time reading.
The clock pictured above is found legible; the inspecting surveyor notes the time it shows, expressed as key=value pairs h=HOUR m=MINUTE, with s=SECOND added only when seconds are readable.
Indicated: h=4 m=37 s=48
